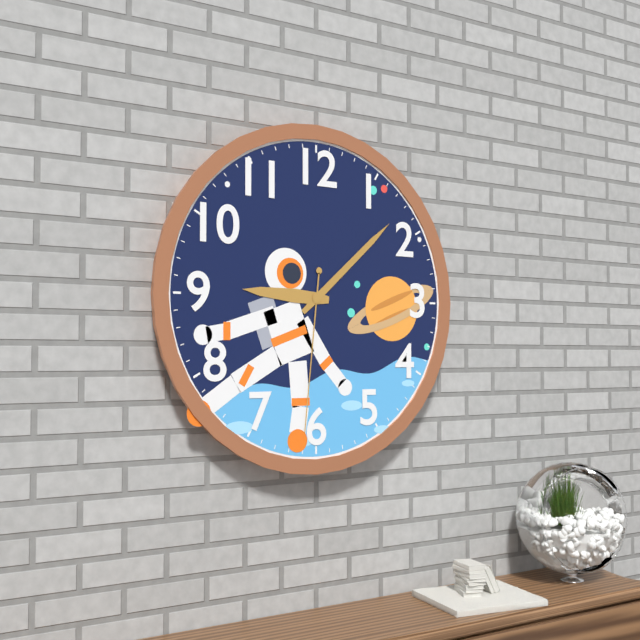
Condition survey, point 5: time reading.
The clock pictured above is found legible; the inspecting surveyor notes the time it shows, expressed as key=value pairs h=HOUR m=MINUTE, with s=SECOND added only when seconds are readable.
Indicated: h=9 m=8 s=31
